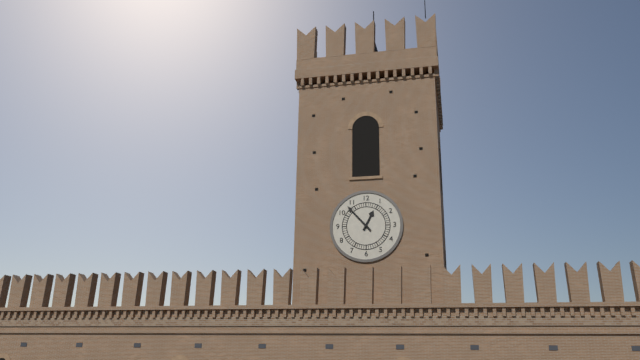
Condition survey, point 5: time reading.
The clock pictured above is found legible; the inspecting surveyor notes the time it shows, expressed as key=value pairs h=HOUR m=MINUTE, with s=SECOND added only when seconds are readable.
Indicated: h=12 m=53
